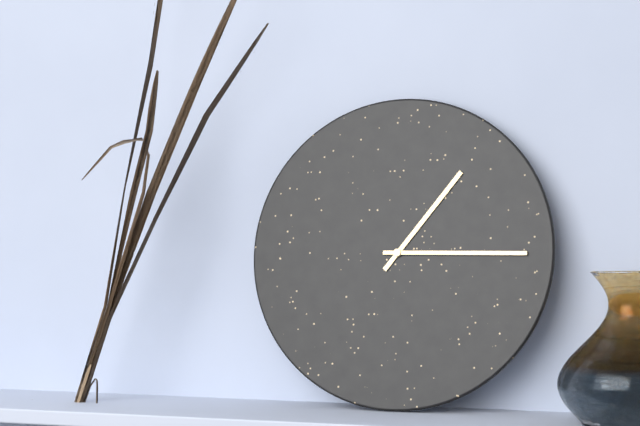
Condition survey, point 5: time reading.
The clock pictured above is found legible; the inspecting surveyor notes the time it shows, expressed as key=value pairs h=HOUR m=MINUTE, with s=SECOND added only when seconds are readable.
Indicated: h=1 m=15
